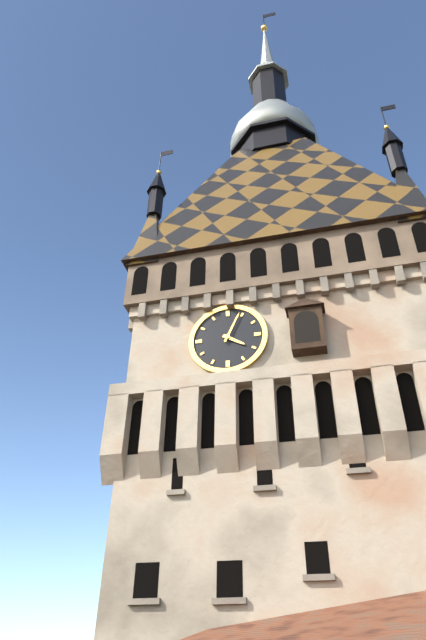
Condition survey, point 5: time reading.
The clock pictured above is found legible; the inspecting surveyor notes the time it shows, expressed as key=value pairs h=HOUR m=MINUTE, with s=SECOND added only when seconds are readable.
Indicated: h=4 m=4
